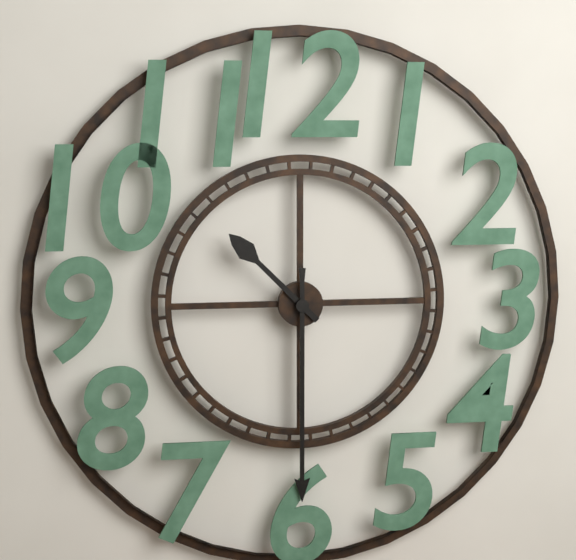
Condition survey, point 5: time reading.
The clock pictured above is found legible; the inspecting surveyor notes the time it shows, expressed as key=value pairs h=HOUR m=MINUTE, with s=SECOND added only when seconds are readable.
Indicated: h=10 m=30
